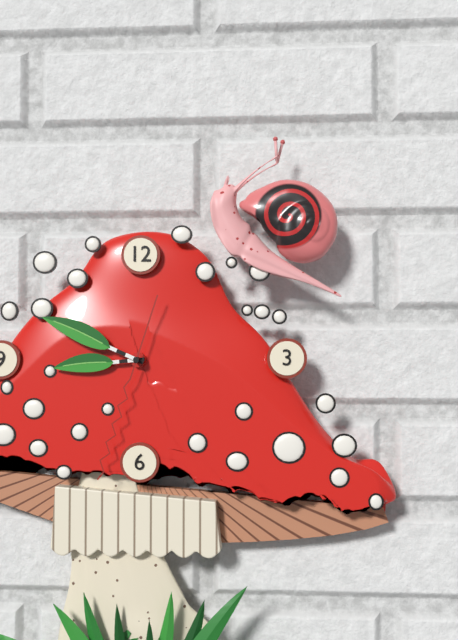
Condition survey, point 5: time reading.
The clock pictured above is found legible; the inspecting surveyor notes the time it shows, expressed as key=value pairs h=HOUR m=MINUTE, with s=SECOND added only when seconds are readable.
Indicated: h=8 m=49 s=33
